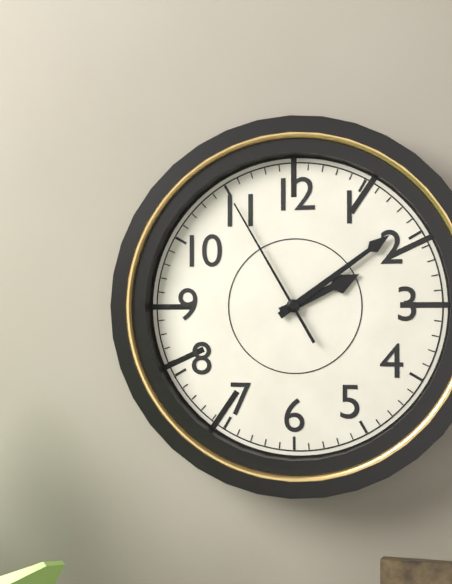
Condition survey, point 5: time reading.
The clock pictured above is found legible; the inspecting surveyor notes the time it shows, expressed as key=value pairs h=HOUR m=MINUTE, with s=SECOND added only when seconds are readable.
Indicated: h=2 m=9 s=55
